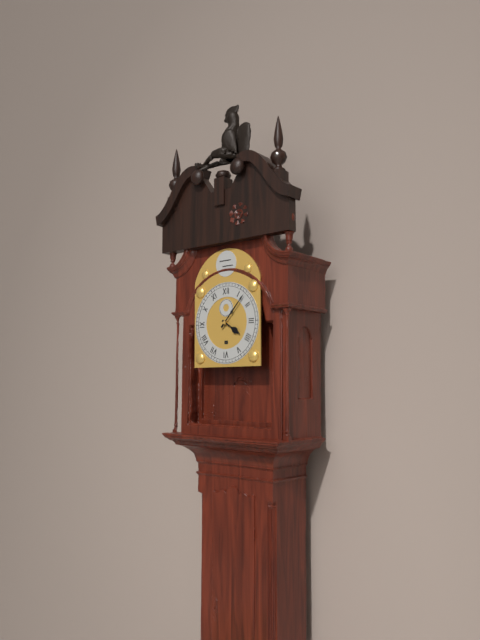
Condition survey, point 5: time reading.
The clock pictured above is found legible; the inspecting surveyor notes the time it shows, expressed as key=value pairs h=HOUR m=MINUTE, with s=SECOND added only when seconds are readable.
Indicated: h=4 m=7
